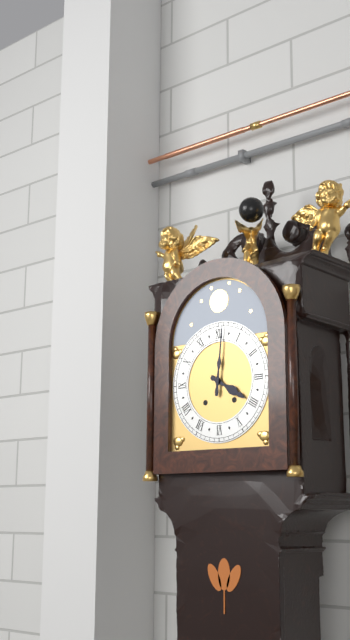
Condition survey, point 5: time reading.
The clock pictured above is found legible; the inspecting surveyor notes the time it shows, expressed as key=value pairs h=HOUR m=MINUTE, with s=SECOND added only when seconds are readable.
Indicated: h=4 m=1
